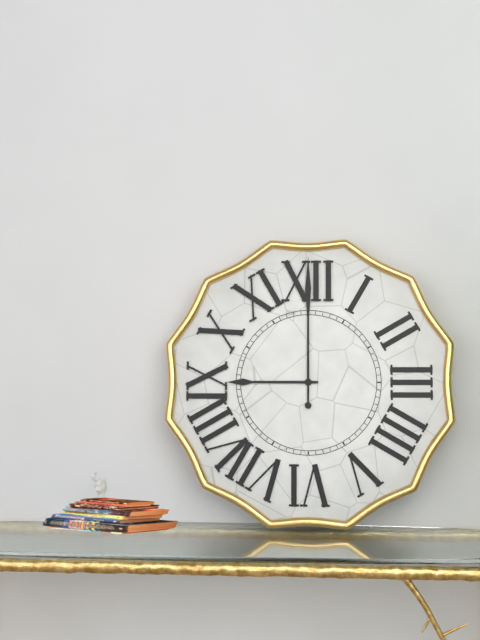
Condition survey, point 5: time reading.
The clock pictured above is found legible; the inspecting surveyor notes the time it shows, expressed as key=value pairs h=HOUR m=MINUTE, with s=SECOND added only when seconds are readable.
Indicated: h=9 m=0
